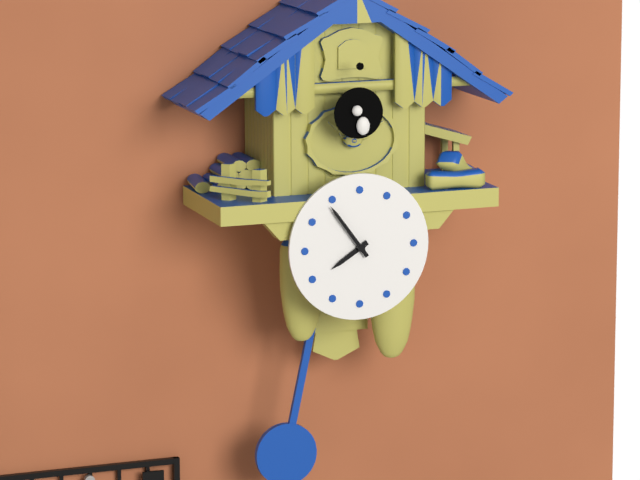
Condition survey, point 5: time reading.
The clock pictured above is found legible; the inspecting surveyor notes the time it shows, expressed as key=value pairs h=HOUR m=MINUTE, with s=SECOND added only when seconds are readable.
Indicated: h=7 m=54
